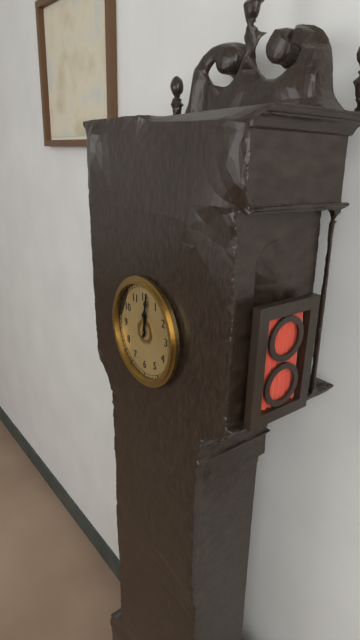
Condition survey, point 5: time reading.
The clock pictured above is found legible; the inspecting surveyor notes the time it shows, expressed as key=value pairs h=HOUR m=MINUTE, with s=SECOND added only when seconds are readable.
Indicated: h=12 m=1
